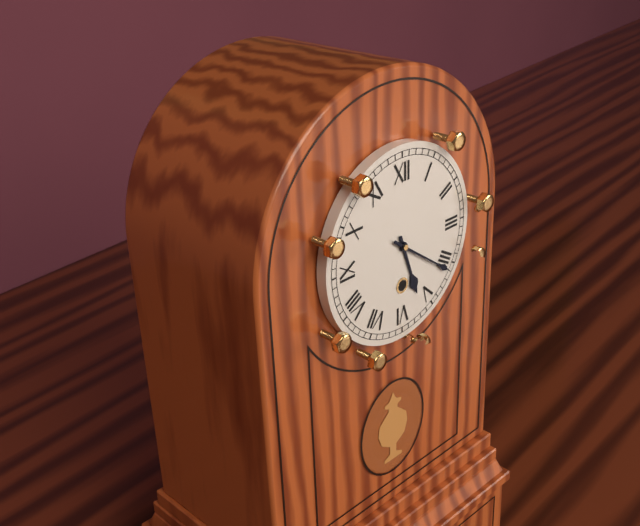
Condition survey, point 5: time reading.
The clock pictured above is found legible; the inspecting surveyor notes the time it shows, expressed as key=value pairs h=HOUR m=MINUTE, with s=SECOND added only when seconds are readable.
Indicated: h=5 m=21
